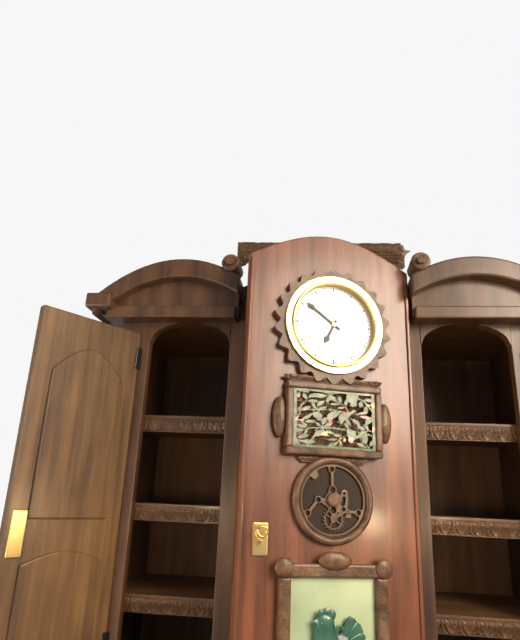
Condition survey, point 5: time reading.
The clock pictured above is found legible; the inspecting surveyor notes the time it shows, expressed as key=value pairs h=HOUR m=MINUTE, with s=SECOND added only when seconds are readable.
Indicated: h=6 m=51
